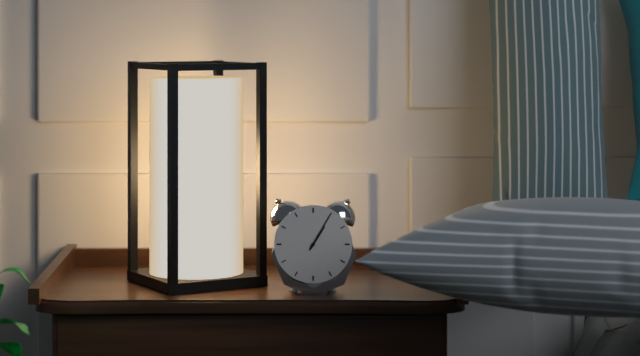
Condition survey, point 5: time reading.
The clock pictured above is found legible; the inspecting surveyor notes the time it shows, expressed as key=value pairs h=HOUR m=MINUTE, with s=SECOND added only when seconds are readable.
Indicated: h=1 m=5
